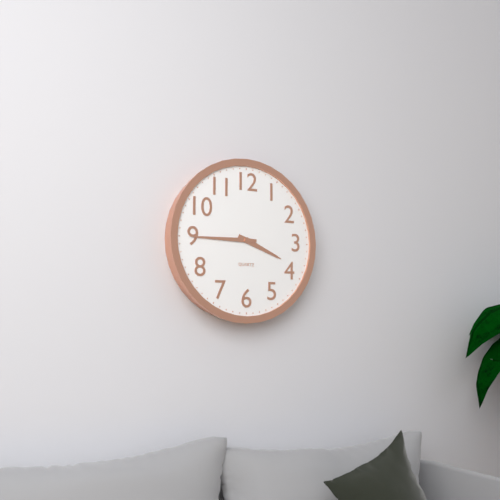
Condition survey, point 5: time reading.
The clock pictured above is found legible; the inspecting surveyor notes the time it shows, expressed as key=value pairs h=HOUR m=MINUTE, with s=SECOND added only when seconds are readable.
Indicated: h=3 m=45
